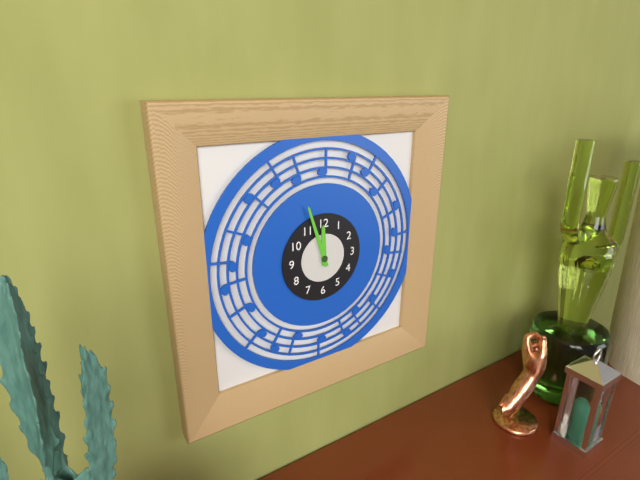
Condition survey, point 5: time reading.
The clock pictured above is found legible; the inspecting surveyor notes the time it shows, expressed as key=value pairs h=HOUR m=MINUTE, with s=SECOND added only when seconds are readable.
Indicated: h=11 m=57
